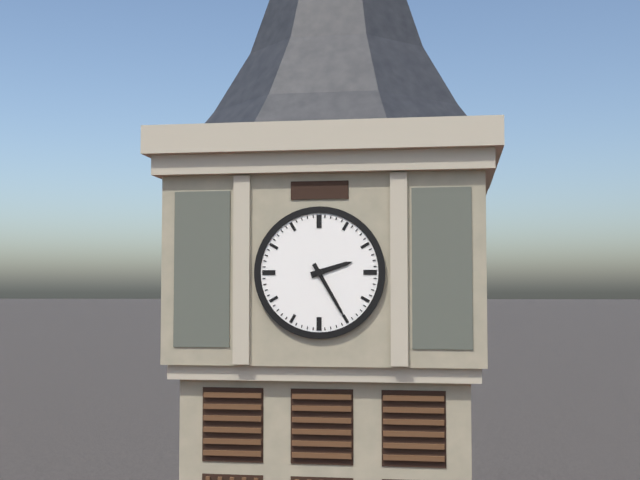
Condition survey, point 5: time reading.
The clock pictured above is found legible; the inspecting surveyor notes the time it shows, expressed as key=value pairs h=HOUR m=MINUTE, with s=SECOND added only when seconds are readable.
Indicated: h=2 m=25
